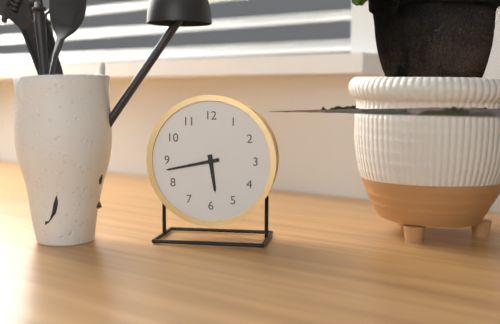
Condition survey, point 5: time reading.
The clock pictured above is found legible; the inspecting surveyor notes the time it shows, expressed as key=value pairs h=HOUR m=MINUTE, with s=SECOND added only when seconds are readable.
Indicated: h=5 m=43
